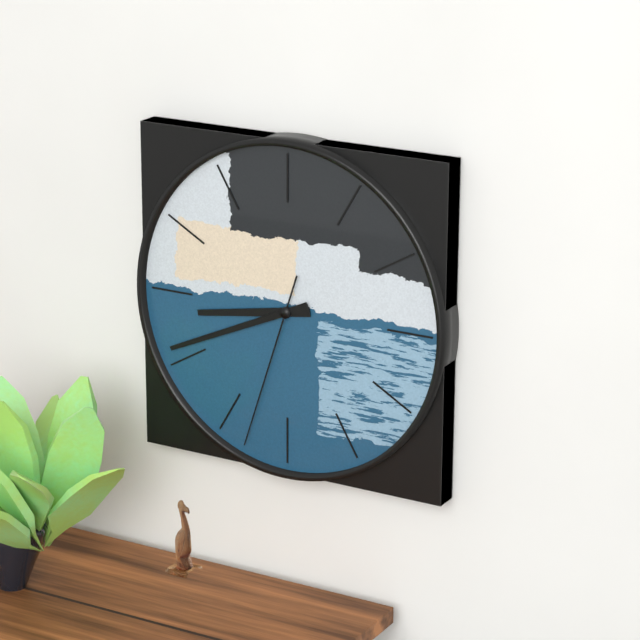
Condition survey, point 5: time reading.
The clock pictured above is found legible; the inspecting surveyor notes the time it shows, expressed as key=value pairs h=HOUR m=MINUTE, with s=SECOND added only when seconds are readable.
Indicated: h=8 m=41 s=33
